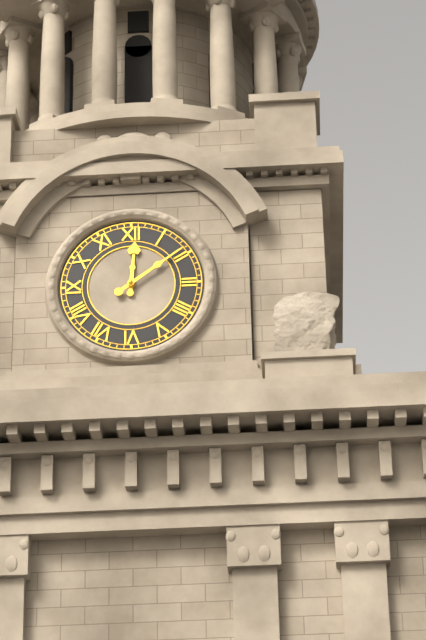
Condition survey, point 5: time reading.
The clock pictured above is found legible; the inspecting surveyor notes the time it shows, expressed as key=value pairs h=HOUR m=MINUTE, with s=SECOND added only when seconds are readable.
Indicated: h=12 m=9
